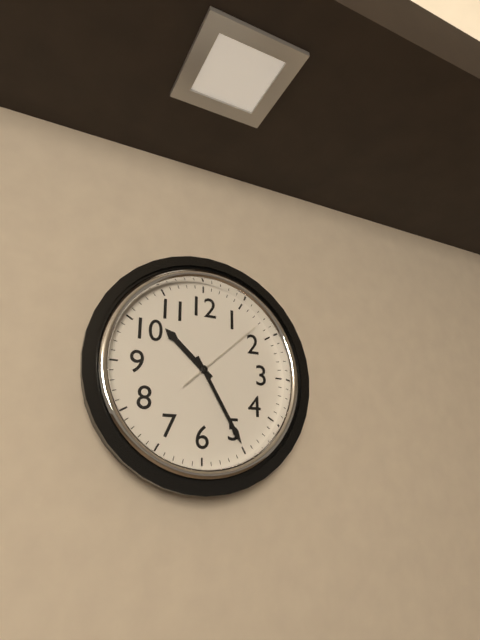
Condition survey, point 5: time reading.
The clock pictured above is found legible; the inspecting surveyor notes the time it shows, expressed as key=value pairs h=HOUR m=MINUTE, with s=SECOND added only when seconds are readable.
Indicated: h=10 m=25 s=8
